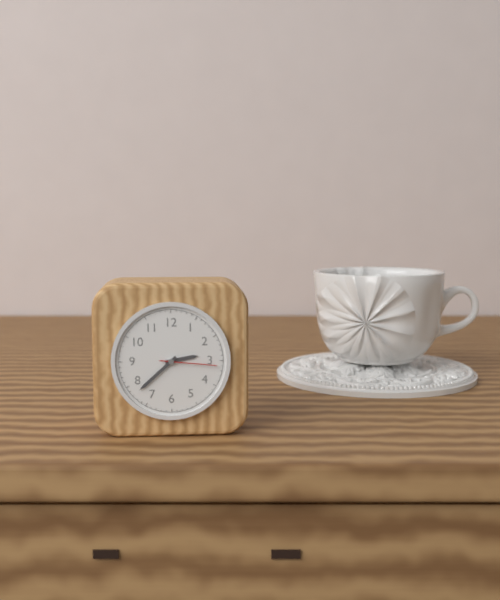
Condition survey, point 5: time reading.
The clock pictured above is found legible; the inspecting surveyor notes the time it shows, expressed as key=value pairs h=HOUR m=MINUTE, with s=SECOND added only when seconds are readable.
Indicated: h=2 m=38 s=16
